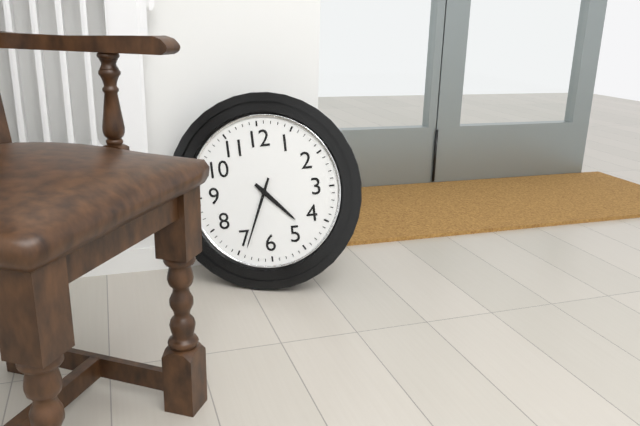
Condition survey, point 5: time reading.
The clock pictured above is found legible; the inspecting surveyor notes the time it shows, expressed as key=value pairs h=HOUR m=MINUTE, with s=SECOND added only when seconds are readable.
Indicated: h=4 m=34
